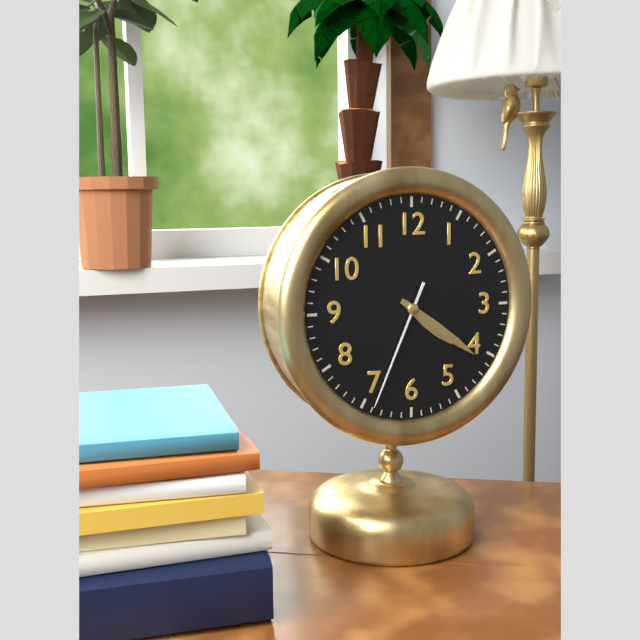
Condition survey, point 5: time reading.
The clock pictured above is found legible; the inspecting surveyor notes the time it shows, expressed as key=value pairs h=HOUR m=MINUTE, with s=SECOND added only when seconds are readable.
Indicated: h=4 m=21 s=34
